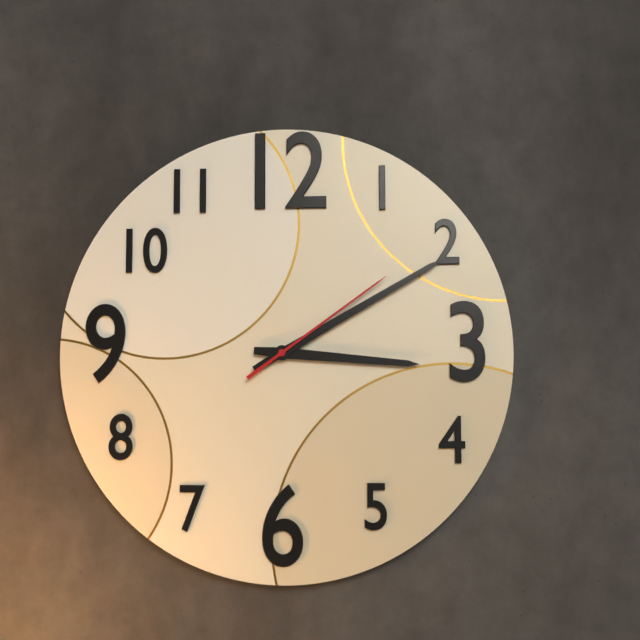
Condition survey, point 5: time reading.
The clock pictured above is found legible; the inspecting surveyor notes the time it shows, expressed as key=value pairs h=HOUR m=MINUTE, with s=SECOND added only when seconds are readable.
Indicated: h=3 m=10 s=9
